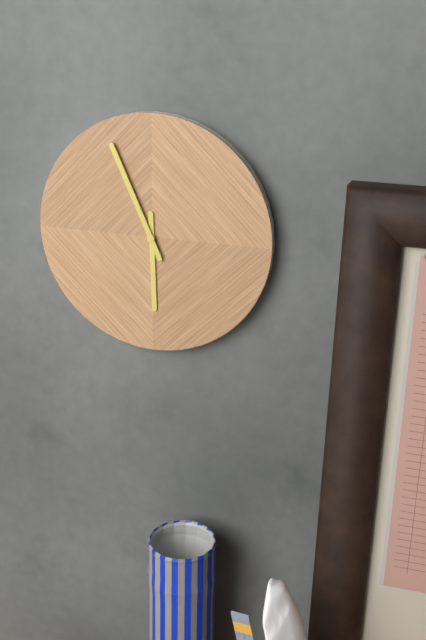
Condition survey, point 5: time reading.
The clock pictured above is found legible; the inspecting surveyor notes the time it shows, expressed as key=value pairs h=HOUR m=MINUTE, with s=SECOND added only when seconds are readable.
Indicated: h=5 m=56
